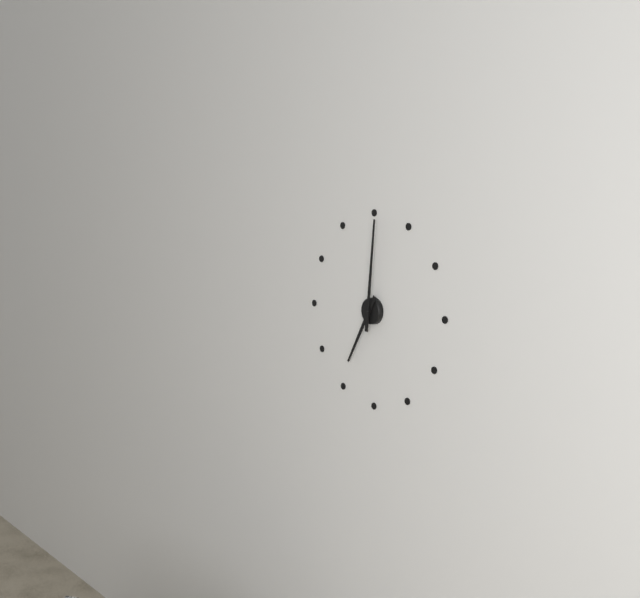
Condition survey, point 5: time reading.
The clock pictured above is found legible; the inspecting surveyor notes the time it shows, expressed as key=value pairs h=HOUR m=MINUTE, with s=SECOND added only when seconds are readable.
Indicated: h=7 m=1
